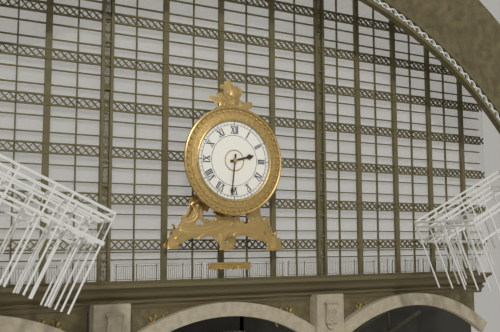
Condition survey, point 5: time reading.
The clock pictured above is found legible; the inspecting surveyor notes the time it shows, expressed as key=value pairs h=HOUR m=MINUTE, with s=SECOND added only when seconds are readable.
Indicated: h=2 m=31
